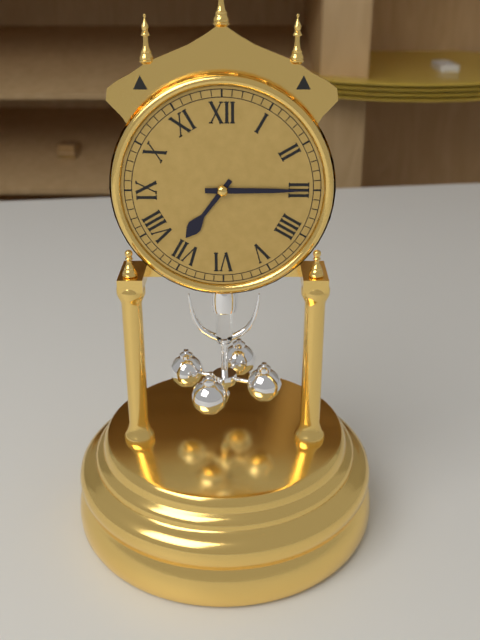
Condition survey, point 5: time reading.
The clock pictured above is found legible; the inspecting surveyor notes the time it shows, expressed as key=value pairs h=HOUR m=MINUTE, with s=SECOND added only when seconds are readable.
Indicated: h=7 m=15
